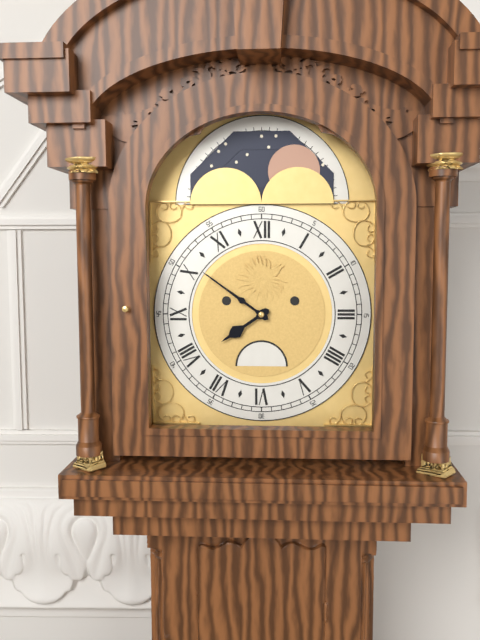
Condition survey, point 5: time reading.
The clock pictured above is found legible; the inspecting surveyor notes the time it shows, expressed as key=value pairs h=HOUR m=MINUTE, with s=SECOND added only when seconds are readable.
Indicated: h=7 m=51
